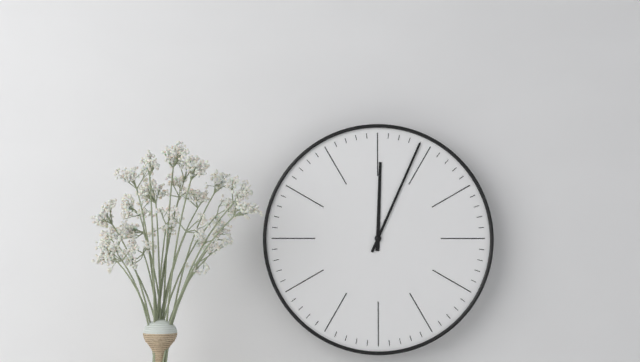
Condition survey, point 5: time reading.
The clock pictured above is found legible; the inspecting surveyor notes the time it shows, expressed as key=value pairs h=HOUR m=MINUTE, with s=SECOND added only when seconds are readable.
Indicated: h=12 m=4
